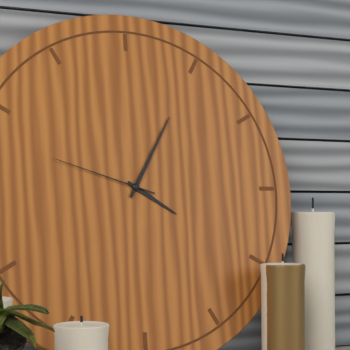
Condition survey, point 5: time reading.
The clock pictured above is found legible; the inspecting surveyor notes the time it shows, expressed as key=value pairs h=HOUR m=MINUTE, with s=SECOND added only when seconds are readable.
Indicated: h=4 m=5 s=48
